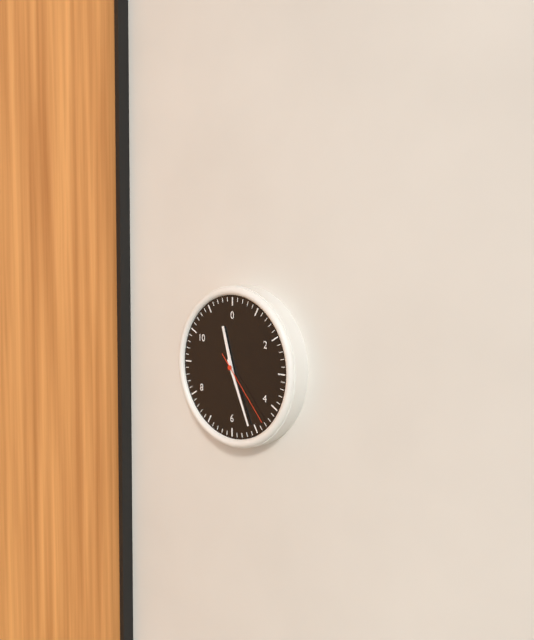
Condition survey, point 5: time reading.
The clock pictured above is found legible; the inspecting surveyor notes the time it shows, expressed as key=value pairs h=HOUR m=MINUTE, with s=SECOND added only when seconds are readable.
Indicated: h=11 m=26 s=23
